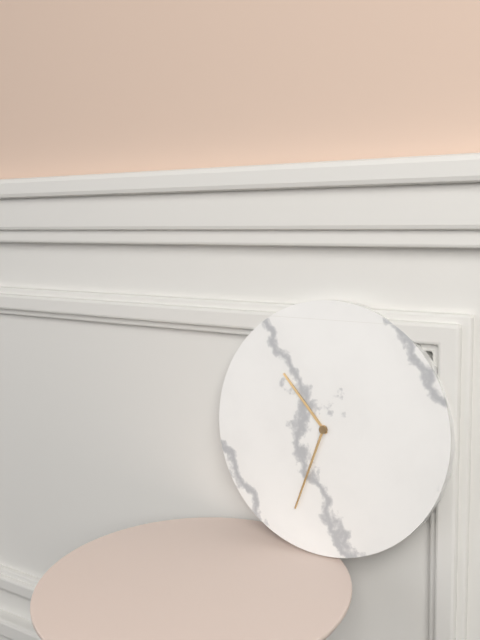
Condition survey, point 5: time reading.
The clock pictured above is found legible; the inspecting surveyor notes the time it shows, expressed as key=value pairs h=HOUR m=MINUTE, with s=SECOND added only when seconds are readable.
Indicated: h=10 m=33
